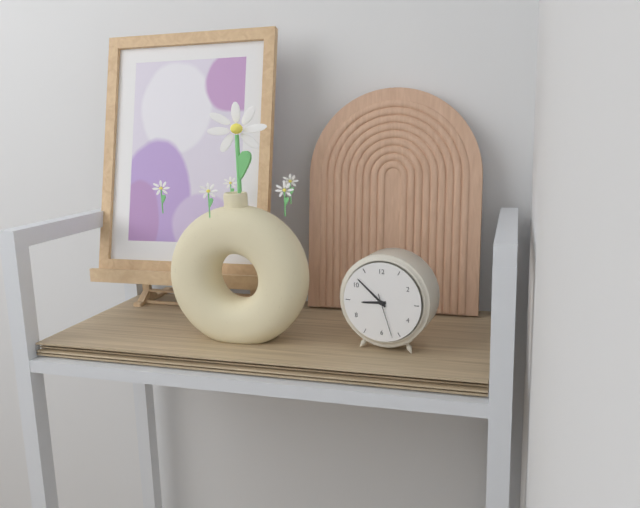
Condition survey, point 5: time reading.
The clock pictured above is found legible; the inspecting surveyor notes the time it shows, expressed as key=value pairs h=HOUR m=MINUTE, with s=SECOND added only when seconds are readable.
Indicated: h=8 m=52
